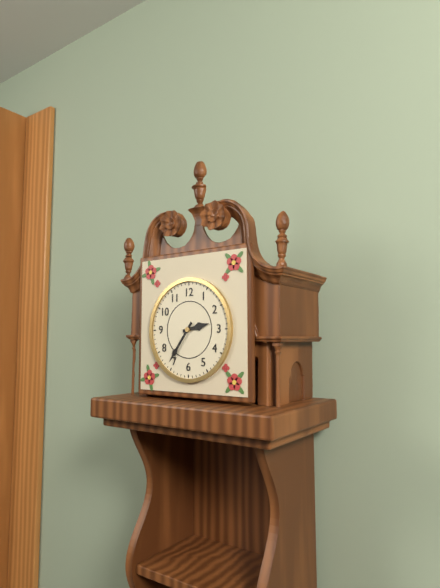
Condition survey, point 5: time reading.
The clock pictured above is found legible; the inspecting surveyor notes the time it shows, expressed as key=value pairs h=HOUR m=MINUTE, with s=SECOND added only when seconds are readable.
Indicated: h=2 m=36
